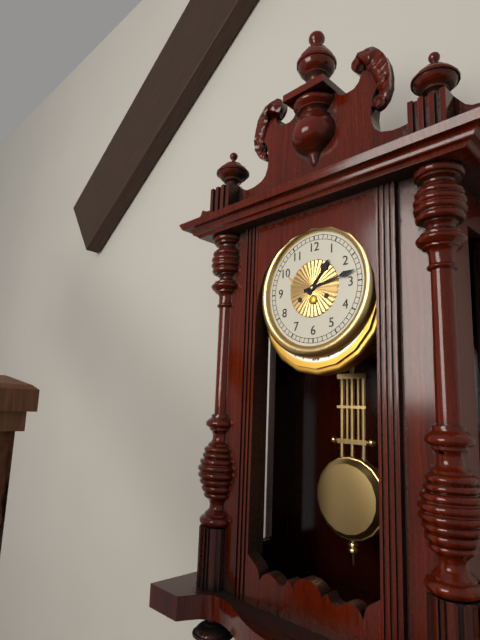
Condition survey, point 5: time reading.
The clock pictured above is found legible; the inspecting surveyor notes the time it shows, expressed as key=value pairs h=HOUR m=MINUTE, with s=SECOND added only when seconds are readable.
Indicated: h=1 m=13
